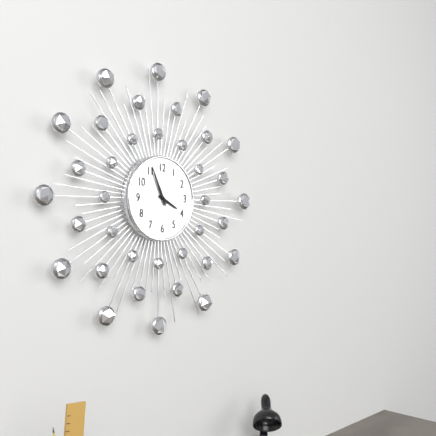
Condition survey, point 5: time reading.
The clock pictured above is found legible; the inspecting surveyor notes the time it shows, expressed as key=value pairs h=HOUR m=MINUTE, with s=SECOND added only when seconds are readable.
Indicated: h=3 m=56
